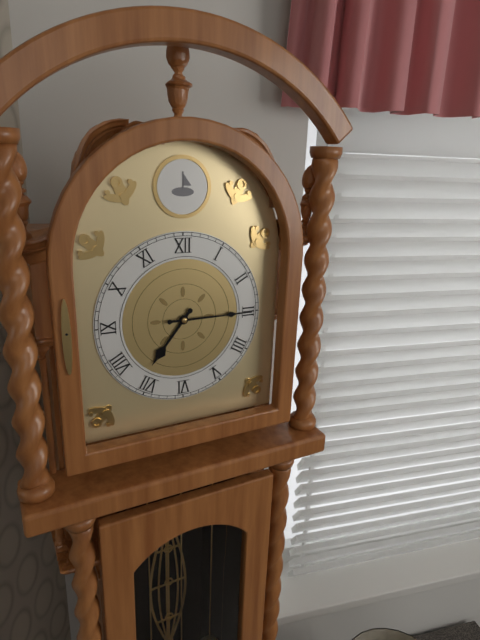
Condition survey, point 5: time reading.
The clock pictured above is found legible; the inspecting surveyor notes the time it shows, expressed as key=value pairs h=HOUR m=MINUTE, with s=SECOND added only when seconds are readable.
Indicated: h=7 m=15
